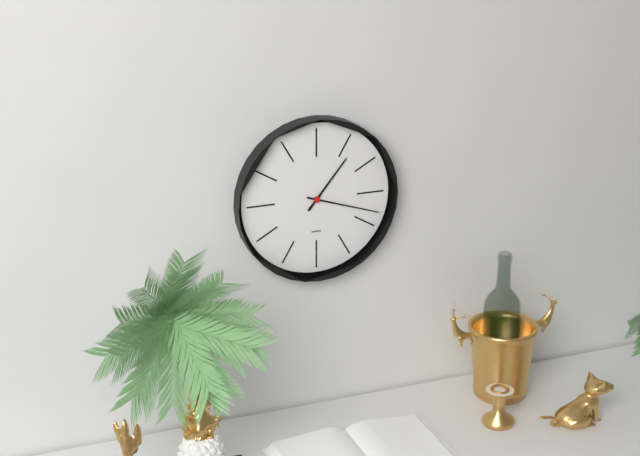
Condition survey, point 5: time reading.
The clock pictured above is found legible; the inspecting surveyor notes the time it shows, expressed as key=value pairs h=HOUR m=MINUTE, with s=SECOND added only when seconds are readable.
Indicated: h=1 m=18
